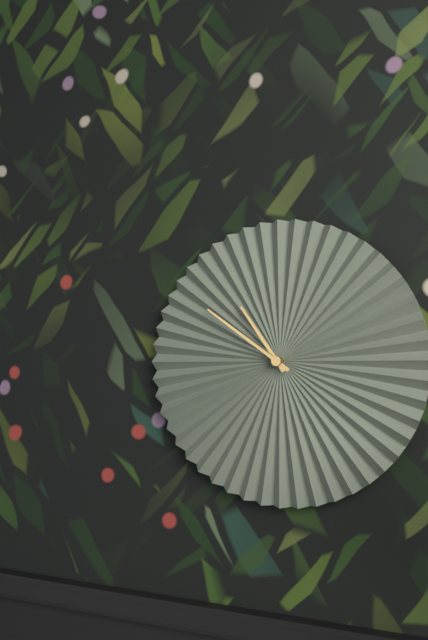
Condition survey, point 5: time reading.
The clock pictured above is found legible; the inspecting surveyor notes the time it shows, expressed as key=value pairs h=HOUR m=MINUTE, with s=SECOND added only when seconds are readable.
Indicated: h=10 m=51
